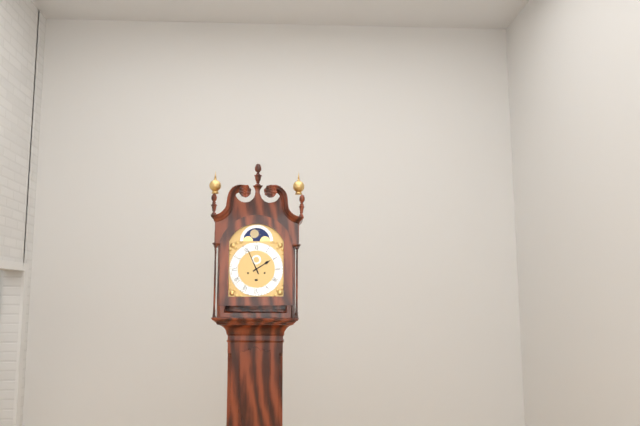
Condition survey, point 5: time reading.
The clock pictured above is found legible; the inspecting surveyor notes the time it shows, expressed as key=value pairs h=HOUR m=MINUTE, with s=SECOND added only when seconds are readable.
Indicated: h=1 m=56
